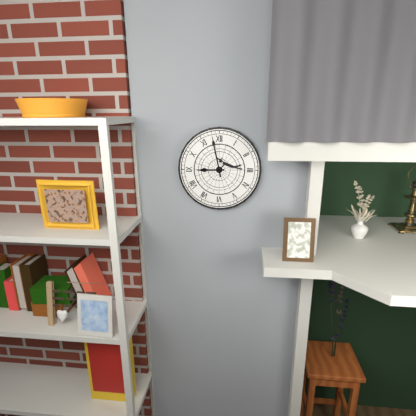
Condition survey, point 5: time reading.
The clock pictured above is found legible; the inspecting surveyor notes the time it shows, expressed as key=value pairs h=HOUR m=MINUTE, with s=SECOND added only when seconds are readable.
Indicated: h=8 m=58
